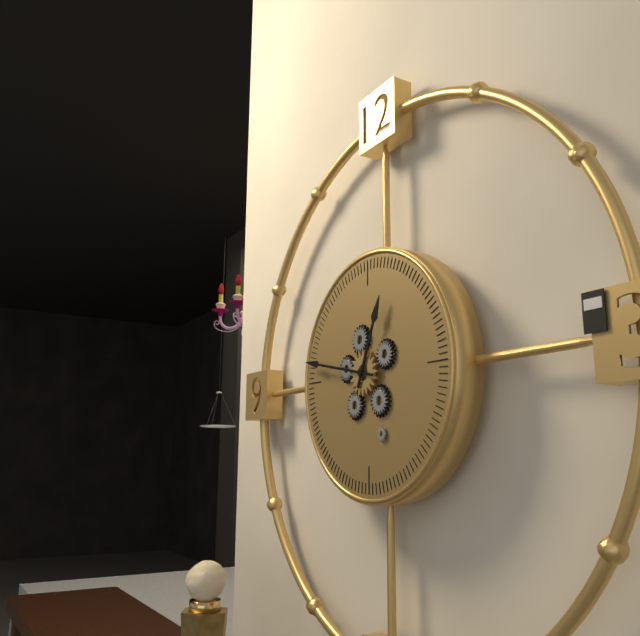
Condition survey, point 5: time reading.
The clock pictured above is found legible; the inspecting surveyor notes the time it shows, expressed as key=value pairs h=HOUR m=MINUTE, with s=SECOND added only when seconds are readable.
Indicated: h=12 m=47
